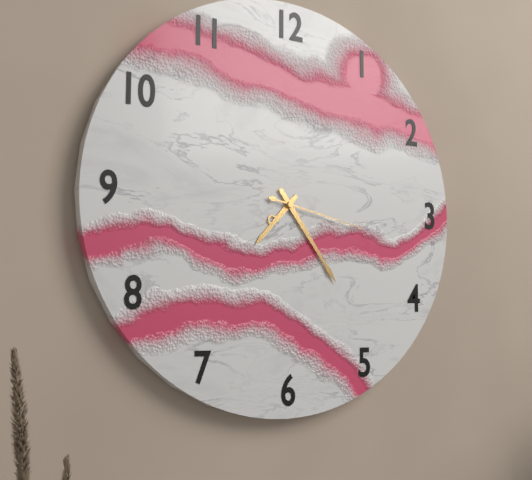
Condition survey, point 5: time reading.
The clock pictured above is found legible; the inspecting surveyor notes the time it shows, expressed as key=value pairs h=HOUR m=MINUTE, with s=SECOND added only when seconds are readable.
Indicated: h=7 m=24 s=17
